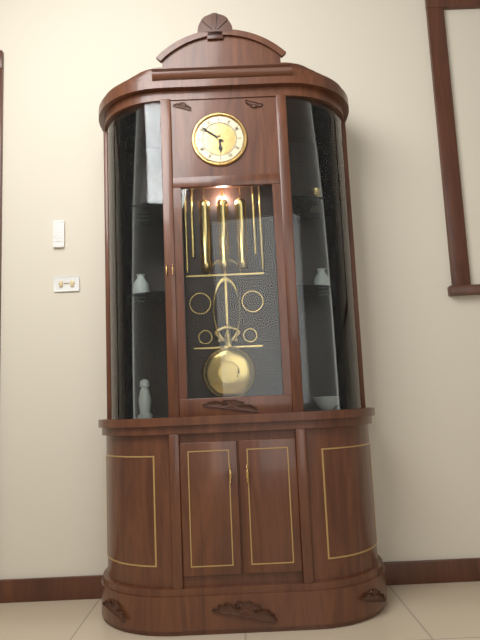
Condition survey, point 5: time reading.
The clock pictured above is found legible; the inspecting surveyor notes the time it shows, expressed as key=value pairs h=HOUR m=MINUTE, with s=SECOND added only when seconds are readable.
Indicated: h=5 m=51
